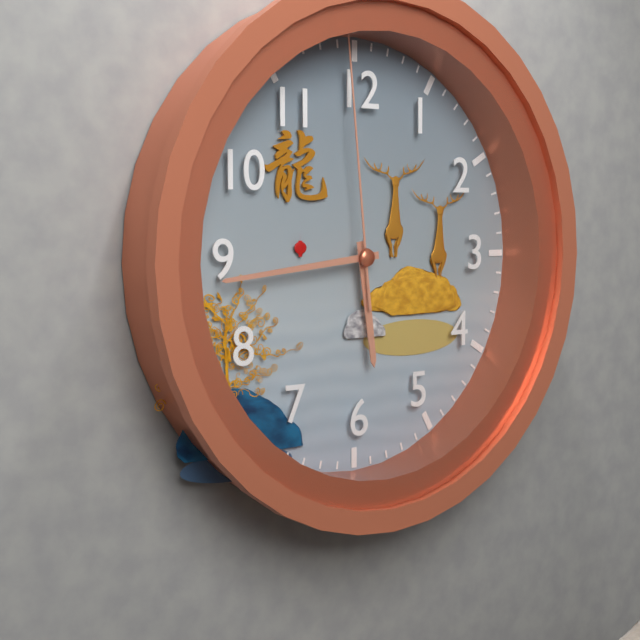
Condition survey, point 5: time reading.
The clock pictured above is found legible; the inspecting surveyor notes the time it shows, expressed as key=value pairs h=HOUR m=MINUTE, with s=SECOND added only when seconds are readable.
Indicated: h=5 m=44 s=59
